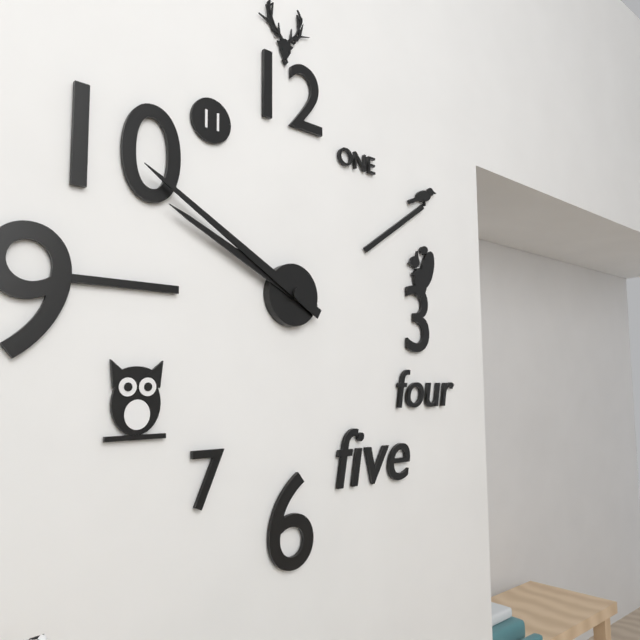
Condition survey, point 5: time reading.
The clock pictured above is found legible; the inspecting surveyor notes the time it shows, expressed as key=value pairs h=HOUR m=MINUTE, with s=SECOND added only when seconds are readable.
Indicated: h=9 m=50
